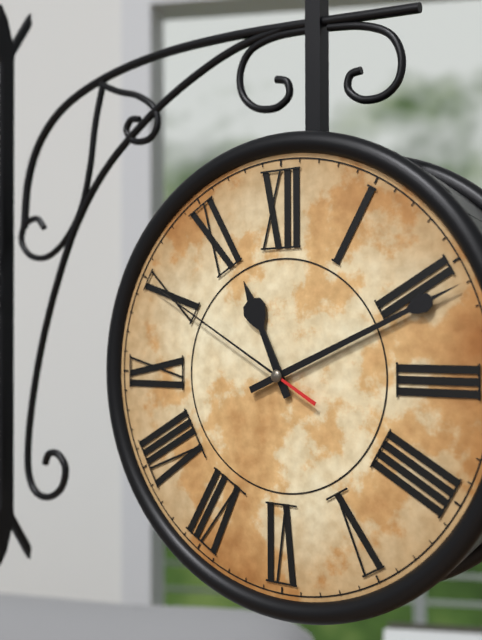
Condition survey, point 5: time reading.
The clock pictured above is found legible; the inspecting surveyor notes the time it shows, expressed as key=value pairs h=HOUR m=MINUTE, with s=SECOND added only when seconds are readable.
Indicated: h=11 m=11 s=50
